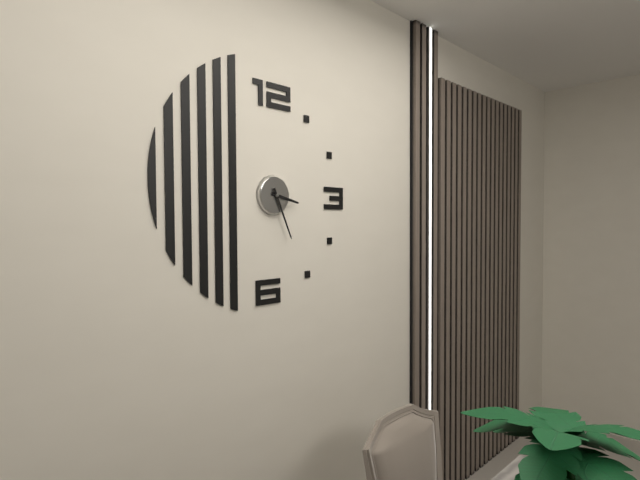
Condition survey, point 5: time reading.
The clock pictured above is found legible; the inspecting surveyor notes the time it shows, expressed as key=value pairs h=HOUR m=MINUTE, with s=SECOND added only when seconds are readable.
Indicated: h=3 m=26
